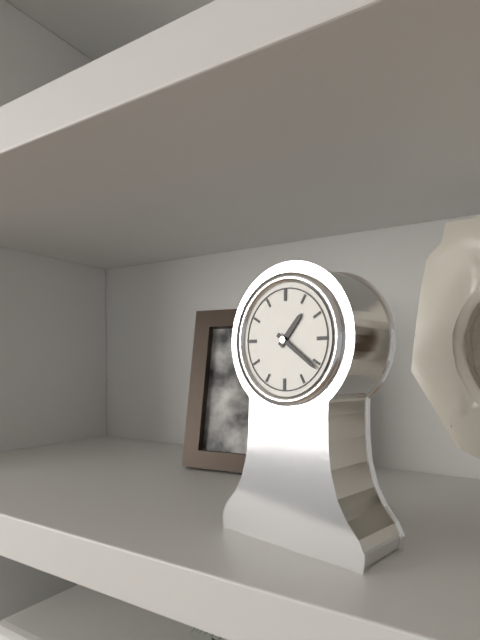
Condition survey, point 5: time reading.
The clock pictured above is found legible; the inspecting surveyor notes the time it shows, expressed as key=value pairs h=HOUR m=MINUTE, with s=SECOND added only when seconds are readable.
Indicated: h=1 m=21
